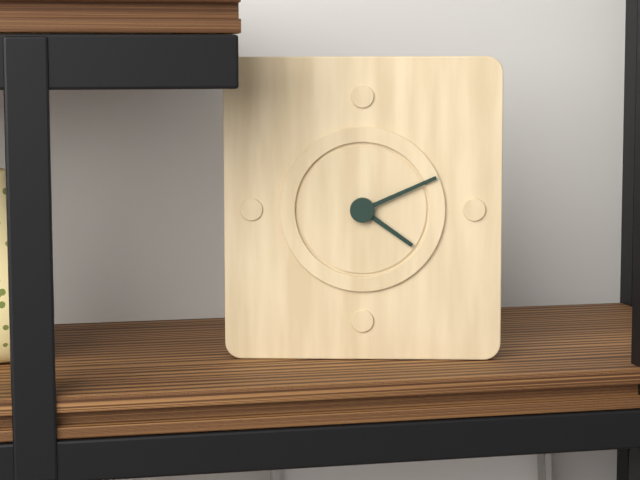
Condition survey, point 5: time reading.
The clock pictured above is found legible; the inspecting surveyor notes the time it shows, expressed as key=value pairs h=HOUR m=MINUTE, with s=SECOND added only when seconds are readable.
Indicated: h=4 m=11
